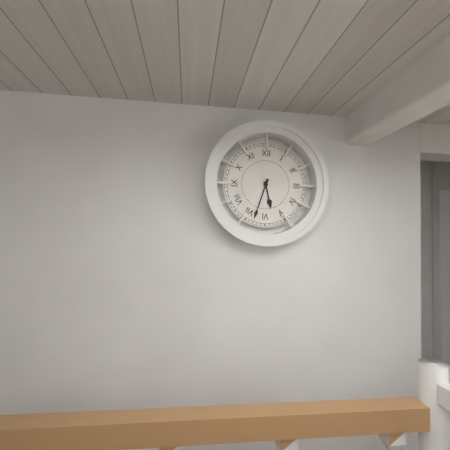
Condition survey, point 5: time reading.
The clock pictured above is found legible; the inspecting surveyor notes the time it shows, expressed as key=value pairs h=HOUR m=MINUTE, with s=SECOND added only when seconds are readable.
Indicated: h=5 m=33
